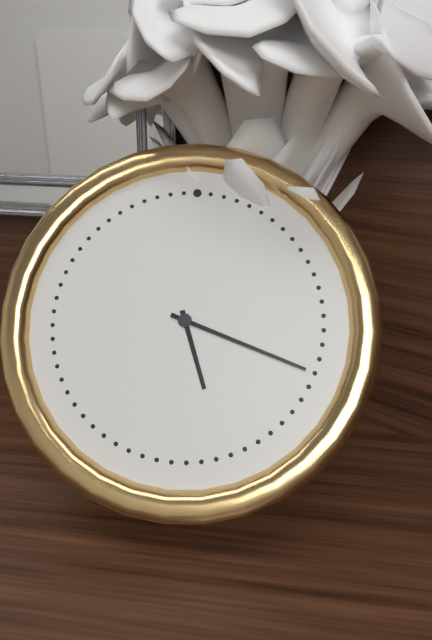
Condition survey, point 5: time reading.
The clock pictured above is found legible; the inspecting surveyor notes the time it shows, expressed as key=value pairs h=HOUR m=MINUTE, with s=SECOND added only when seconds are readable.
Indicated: h=5 m=18
